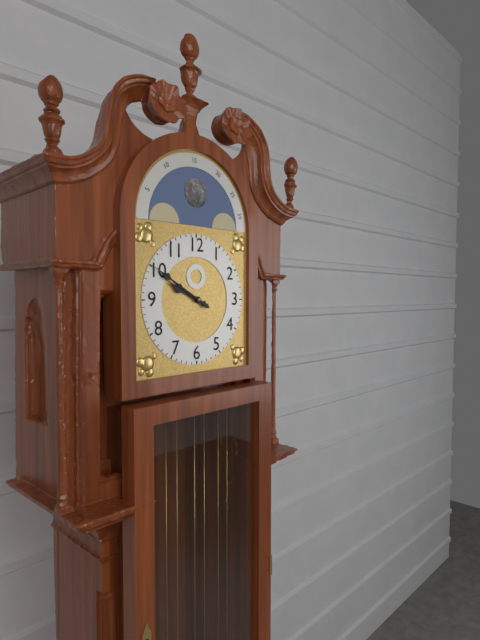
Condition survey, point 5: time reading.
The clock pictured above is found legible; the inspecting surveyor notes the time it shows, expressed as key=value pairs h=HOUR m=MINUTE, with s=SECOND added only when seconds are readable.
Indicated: h=9 m=50
